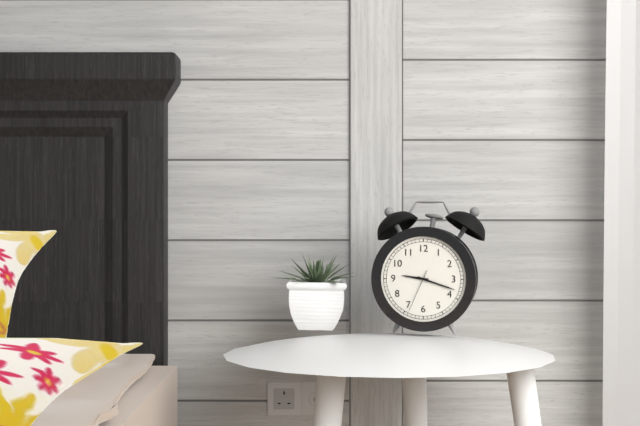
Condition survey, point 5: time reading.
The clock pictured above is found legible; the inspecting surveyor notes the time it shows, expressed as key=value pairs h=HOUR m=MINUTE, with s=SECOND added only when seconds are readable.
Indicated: h=9 m=18
